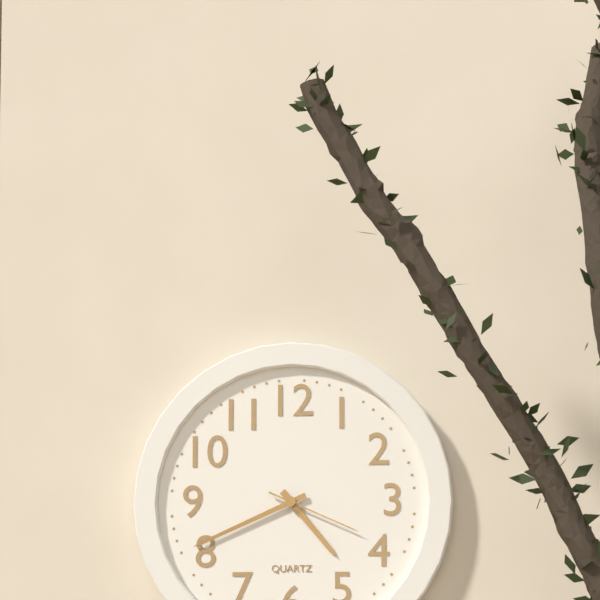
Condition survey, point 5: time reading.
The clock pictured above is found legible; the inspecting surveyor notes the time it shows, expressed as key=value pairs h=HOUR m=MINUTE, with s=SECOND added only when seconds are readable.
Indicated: h=4 m=41 s=19
